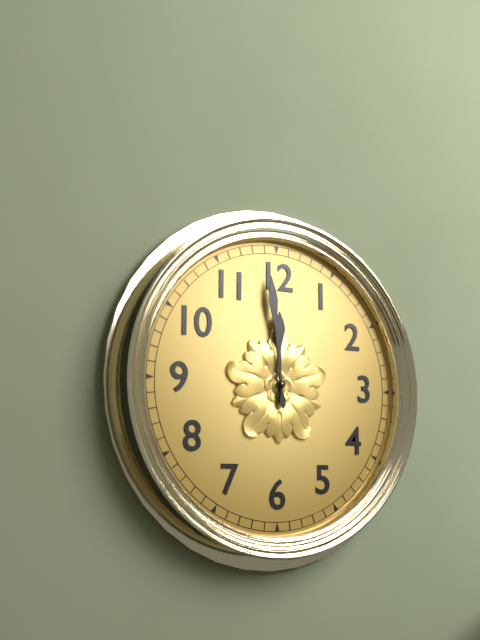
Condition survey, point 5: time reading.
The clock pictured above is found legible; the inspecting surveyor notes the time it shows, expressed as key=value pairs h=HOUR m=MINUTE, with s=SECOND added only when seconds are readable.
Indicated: h=11 m=59
